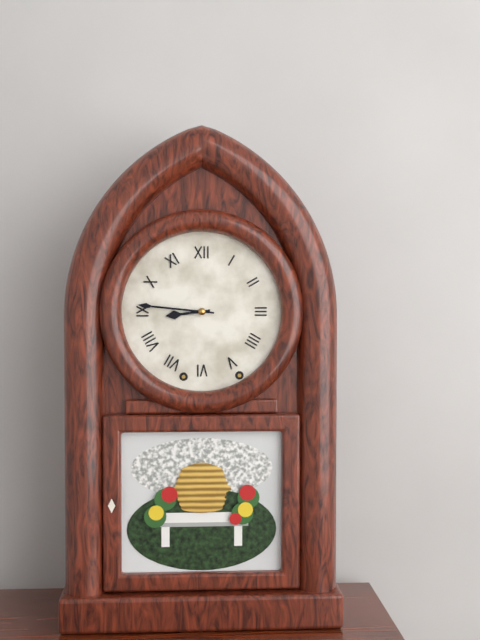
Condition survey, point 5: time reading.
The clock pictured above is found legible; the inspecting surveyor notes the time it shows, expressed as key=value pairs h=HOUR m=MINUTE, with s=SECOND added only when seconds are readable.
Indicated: h=8 m=46
